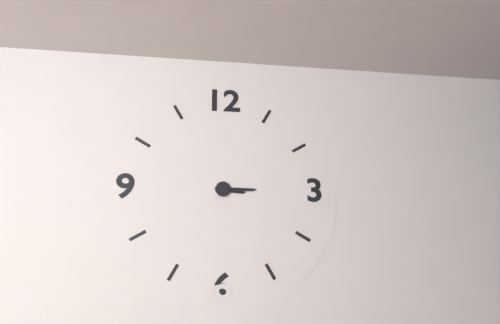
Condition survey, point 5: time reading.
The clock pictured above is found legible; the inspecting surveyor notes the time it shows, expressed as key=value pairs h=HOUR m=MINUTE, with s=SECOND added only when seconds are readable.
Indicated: h=3 m=15
